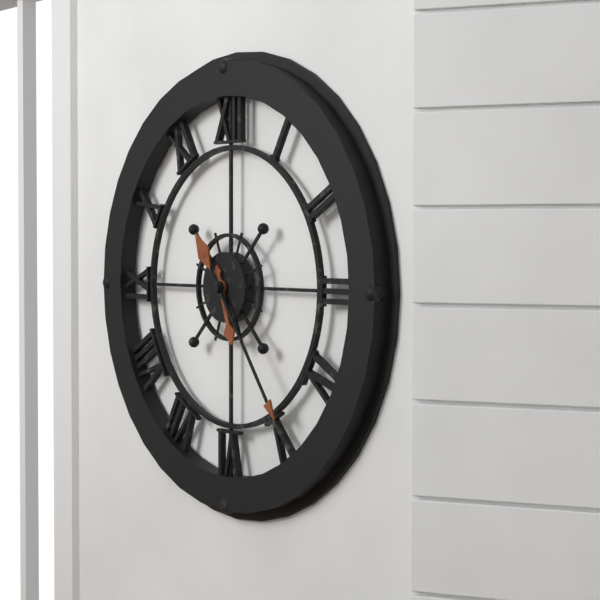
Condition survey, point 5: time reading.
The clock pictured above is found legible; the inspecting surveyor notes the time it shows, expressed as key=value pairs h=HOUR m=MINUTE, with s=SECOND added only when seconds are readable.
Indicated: h=5 m=24
